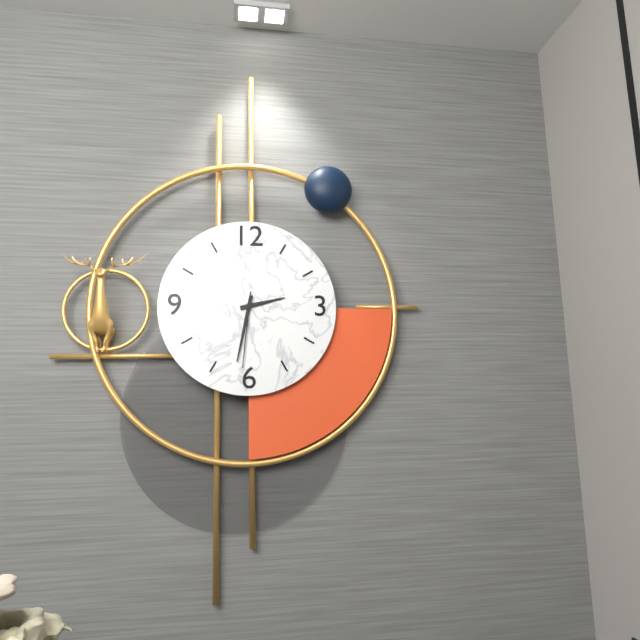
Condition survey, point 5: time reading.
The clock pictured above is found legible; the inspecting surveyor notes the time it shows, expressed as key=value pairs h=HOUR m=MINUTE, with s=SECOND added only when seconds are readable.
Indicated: h=2 m=32 s=31
